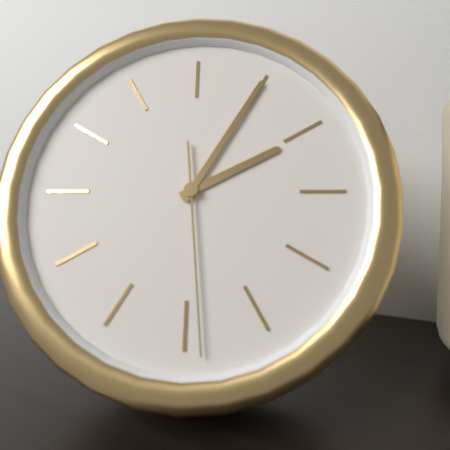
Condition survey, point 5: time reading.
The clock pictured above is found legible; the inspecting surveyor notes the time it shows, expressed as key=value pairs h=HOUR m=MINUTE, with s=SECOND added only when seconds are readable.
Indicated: h=2 m=5 s=29
